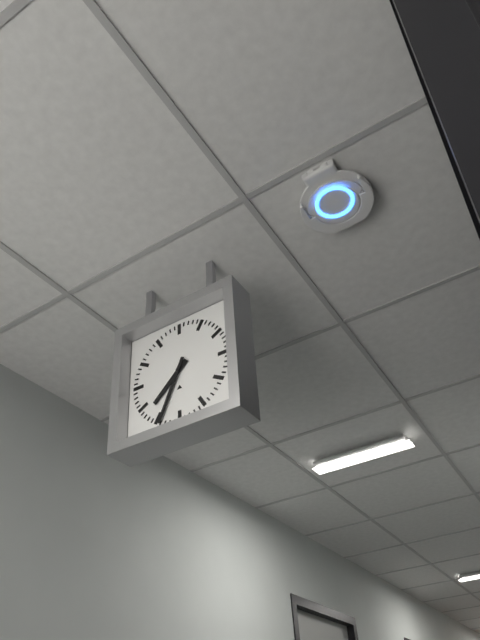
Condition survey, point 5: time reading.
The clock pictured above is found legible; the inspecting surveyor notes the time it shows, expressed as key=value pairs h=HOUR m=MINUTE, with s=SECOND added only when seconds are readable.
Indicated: h=7 m=34
